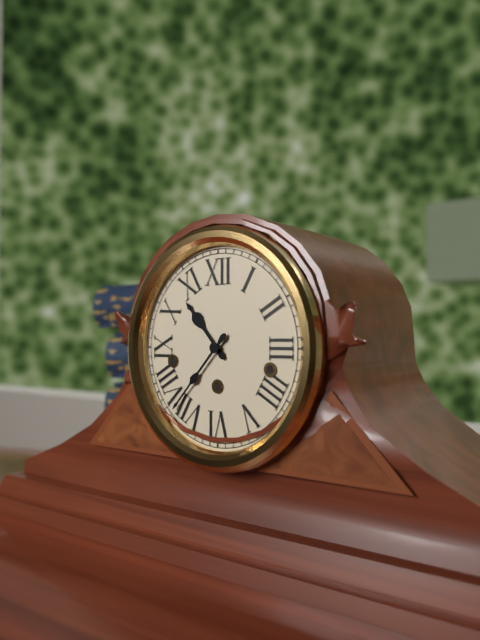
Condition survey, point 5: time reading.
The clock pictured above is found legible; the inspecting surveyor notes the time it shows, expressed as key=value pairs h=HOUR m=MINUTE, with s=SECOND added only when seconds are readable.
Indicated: h=10 m=37
